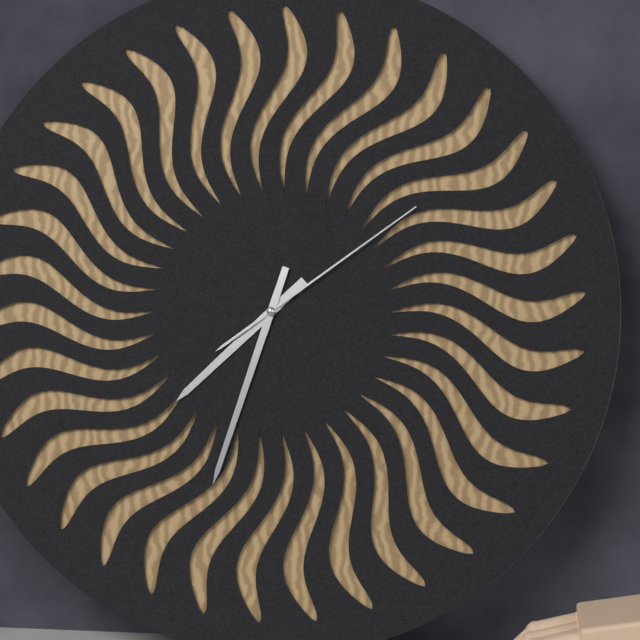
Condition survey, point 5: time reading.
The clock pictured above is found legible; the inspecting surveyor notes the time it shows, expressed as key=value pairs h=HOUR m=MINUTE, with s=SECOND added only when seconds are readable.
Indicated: h=7 m=33 s=9
